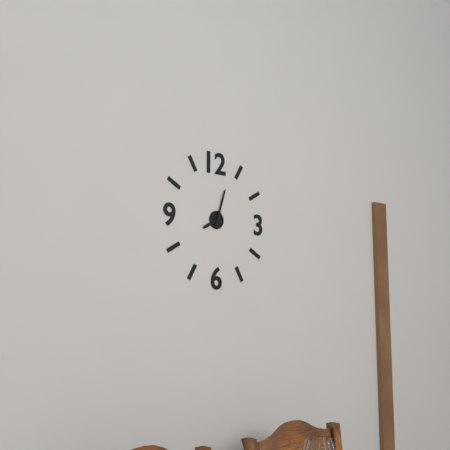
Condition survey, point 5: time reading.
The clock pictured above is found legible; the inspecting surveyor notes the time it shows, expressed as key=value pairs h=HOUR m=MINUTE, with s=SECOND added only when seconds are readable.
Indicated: h=8 m=3
